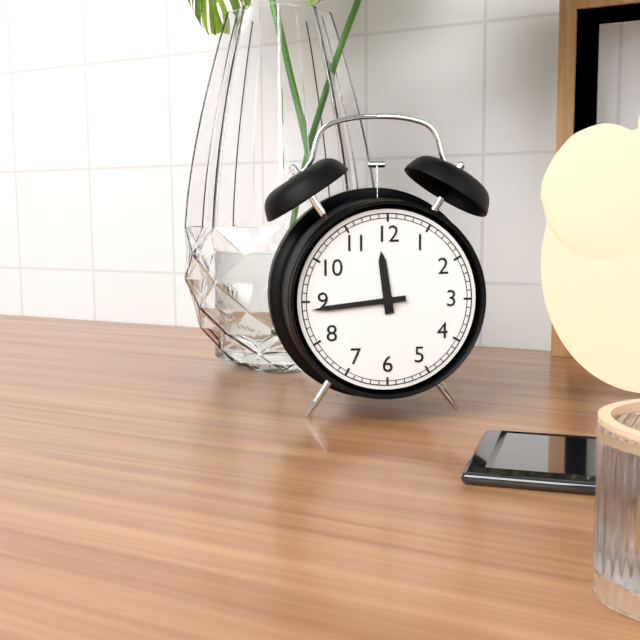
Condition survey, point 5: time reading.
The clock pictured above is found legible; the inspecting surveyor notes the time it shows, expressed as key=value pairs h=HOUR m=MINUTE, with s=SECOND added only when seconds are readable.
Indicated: h=11 m=44
